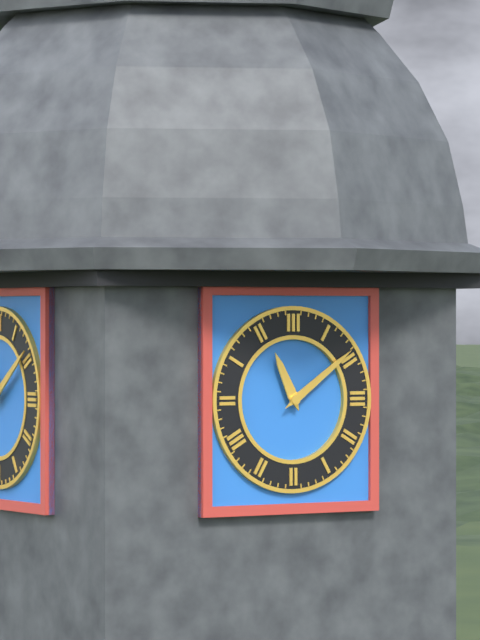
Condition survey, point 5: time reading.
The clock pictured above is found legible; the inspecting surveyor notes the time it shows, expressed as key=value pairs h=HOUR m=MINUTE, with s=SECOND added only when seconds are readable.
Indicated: h=11 m=9
